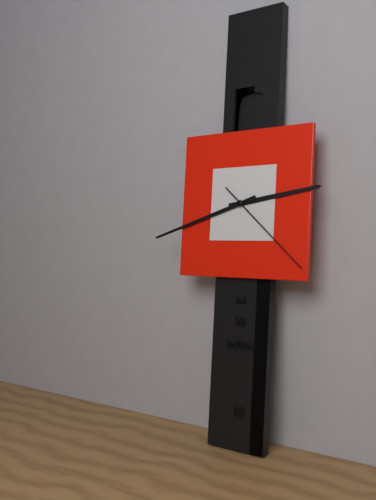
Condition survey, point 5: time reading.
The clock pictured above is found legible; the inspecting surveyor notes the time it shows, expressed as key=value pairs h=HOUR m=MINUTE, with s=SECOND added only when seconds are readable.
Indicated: h=2 m=42 s=22
